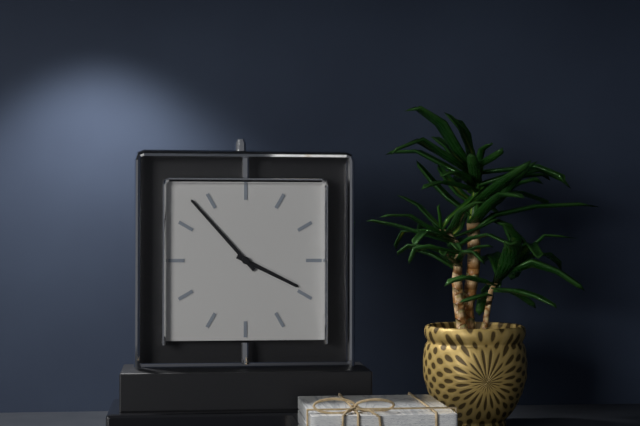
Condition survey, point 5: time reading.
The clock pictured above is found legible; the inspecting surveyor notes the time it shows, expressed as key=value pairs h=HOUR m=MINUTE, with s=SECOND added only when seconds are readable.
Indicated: h=3 m=53
